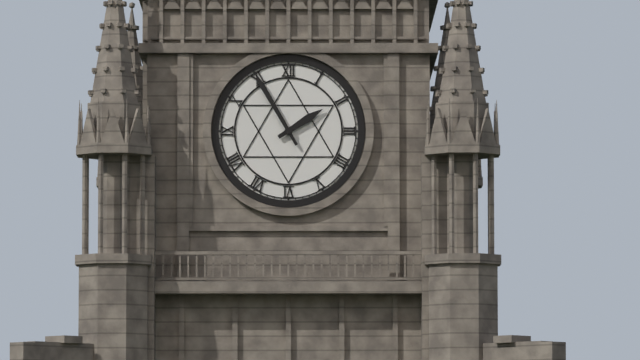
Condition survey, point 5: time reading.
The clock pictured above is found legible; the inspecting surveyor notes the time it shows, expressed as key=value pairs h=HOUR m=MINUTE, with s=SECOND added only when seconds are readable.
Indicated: h=1 m=55
